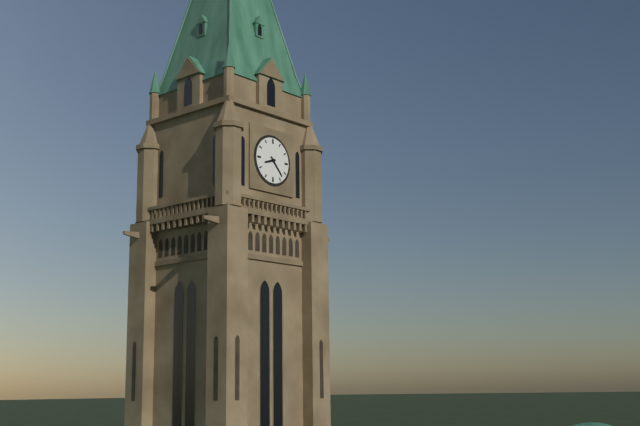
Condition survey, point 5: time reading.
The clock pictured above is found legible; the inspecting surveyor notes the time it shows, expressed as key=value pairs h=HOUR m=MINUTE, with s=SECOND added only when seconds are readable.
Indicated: h=8 m=23
